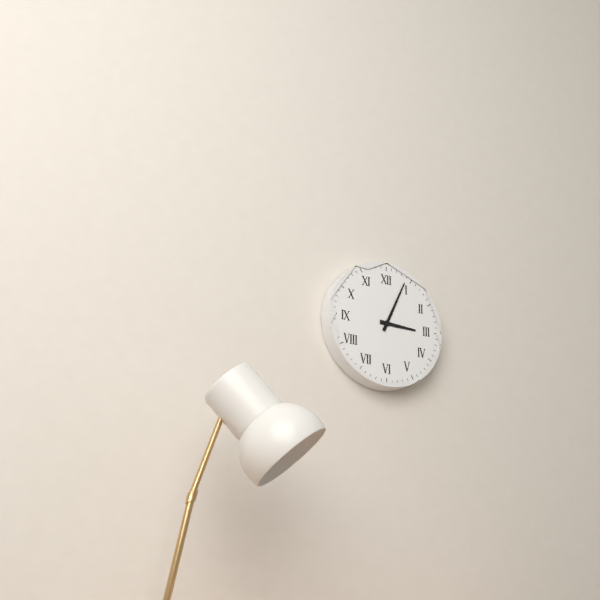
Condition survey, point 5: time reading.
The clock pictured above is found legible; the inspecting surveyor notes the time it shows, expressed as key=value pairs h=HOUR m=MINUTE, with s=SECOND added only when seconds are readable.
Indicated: h=3 m=4
